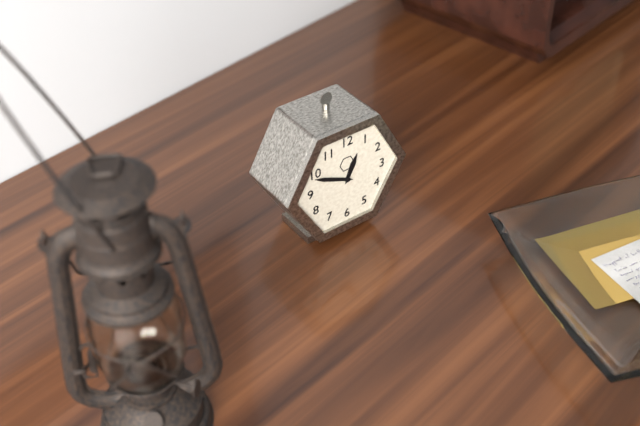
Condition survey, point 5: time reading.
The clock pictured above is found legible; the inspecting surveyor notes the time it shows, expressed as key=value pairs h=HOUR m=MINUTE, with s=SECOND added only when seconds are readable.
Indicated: h=12 m=49
